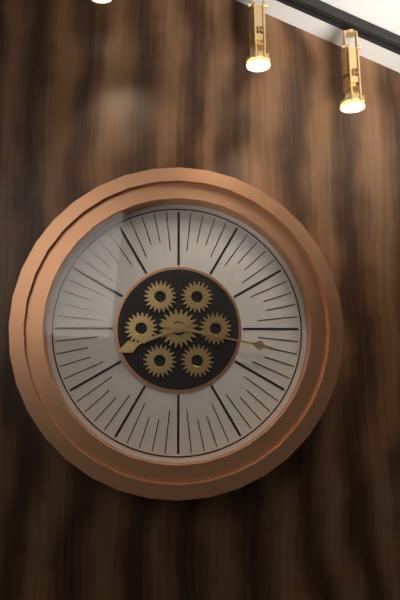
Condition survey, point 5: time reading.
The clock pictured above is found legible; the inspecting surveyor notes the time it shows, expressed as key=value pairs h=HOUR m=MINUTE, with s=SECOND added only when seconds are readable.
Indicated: h=8 m=17
